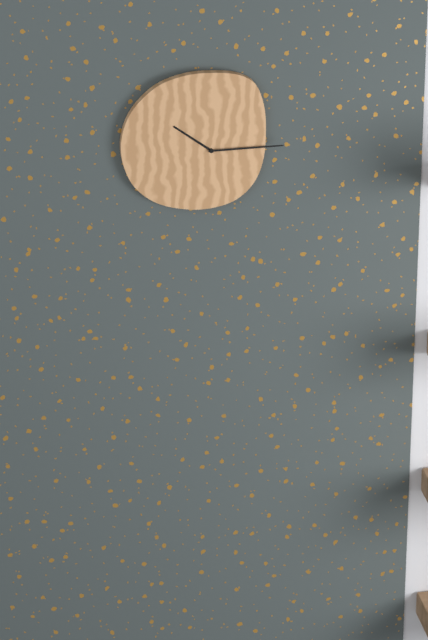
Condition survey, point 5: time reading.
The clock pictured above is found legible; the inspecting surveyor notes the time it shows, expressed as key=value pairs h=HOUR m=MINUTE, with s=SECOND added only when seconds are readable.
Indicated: h=10 m=15
